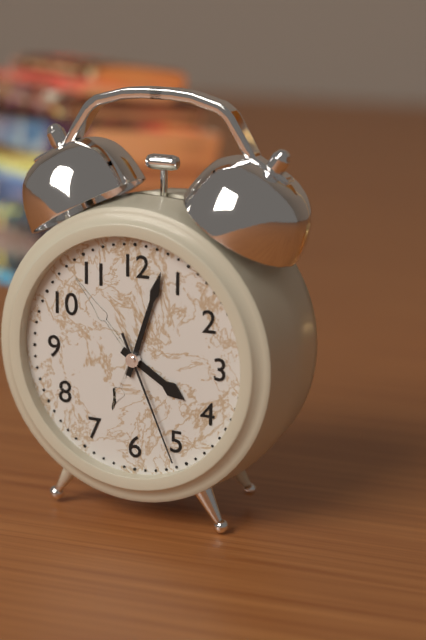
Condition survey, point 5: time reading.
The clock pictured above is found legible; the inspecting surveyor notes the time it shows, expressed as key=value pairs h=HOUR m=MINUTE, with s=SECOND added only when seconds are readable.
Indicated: h=4 m=3 s=26
